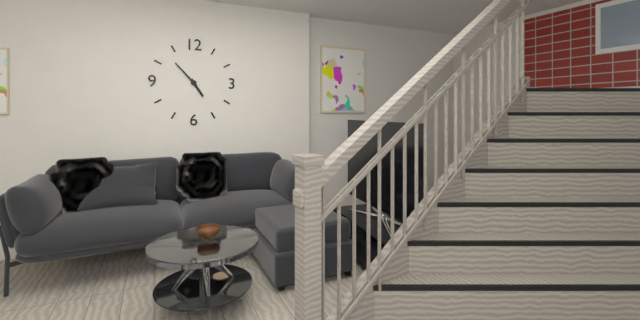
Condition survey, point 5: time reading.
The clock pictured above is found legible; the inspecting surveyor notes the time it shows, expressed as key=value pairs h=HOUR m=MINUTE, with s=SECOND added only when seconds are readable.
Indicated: h=4 m=53
